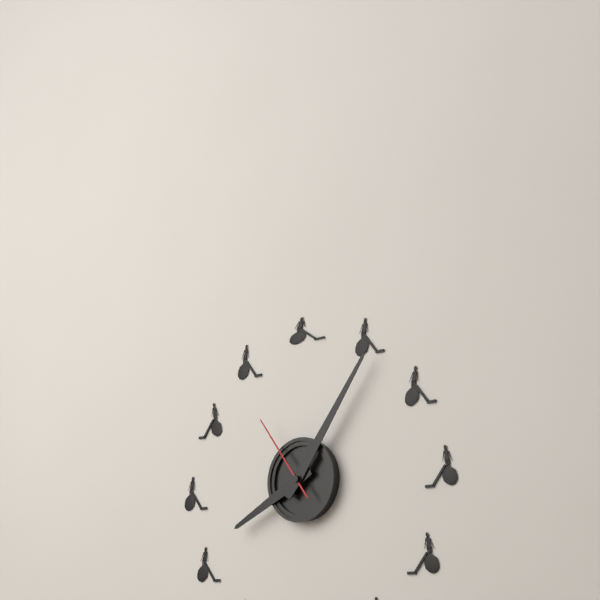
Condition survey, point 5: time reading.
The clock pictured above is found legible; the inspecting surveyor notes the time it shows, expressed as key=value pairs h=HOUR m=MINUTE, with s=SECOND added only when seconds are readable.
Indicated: h=8 m=6 s=54
